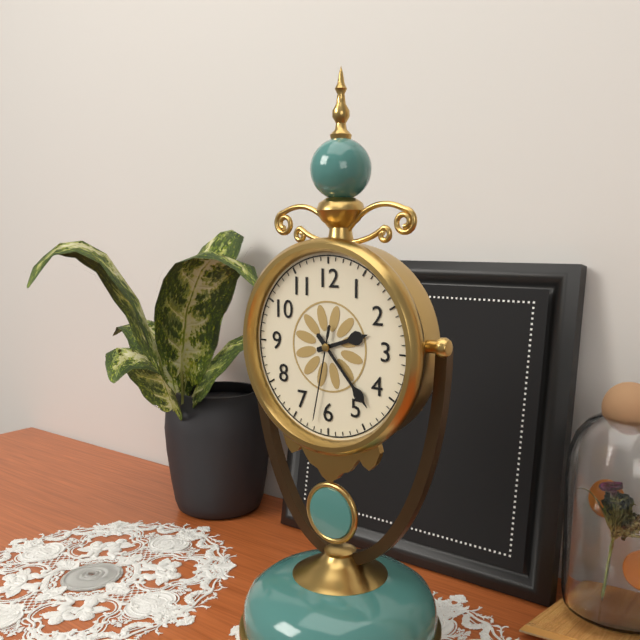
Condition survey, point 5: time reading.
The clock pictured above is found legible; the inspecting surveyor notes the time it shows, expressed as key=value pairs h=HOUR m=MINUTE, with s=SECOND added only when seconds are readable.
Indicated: h=2 m=23 s=32
